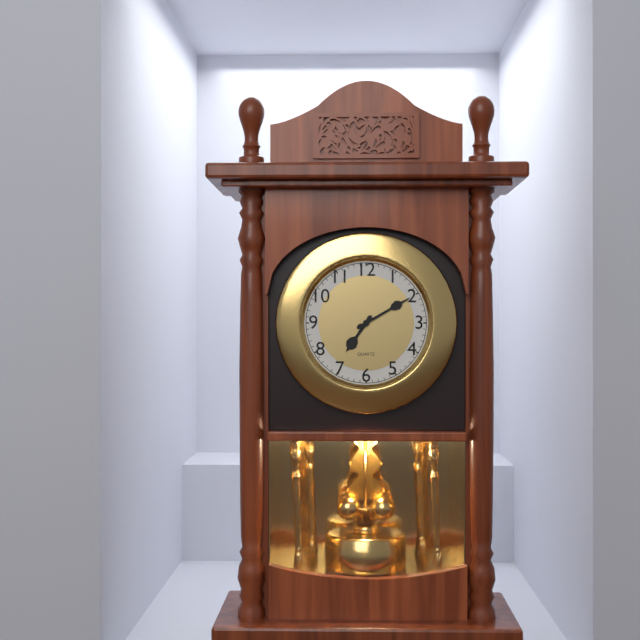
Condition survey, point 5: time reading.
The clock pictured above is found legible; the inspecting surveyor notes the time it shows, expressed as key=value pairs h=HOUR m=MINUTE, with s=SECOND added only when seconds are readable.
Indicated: h=7 m=10
